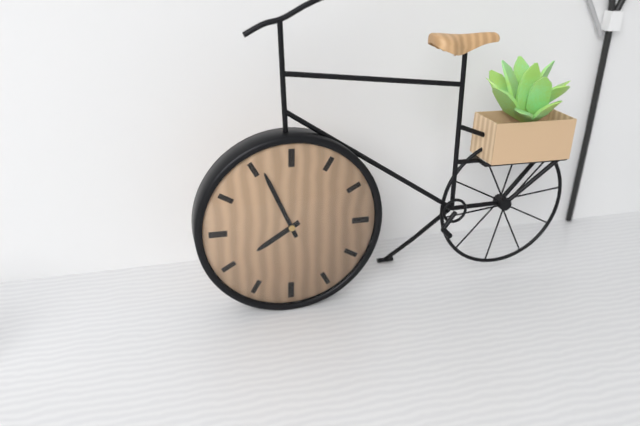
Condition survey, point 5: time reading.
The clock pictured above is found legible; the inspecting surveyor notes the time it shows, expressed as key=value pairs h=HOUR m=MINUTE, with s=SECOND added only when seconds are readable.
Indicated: h=7 m=56
